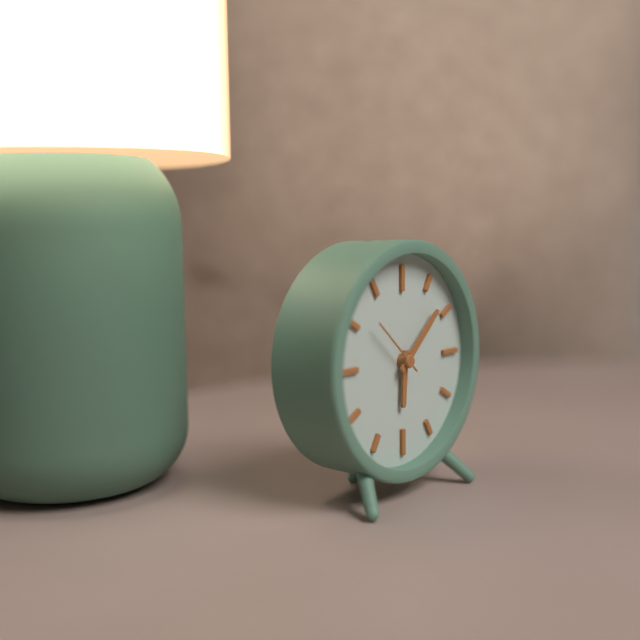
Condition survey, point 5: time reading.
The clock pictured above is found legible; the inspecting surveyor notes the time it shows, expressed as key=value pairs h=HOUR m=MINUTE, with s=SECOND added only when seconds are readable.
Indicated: h=6 m=8 s=52
